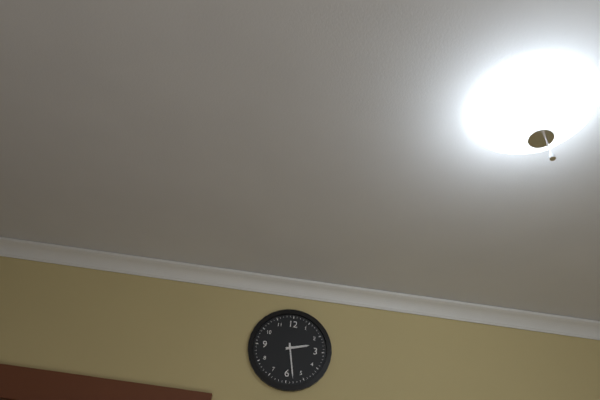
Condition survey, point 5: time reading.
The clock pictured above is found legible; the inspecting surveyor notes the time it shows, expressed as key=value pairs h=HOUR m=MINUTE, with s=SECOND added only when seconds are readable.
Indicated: h=2 m=28
